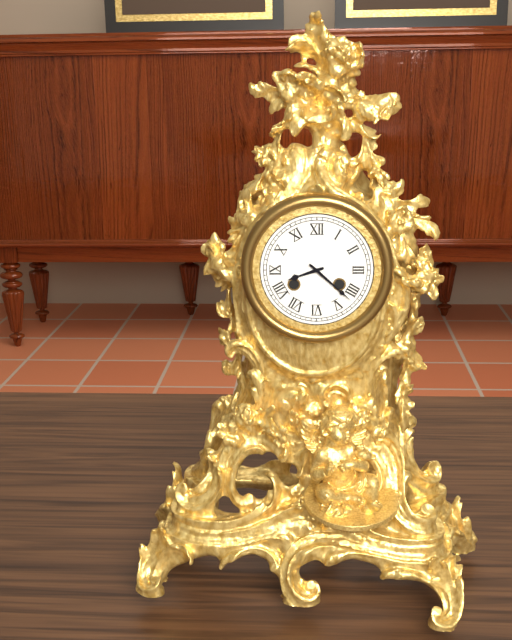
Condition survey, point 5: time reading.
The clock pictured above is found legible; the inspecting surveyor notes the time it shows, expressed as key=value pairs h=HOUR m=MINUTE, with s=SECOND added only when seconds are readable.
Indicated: h=8 m=22
